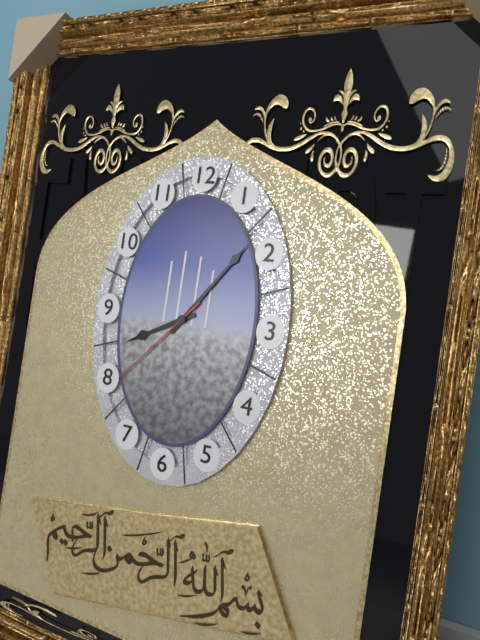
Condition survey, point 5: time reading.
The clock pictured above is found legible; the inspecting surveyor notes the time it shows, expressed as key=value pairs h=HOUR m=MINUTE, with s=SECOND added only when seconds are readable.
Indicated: h=8 m=6 s=37
